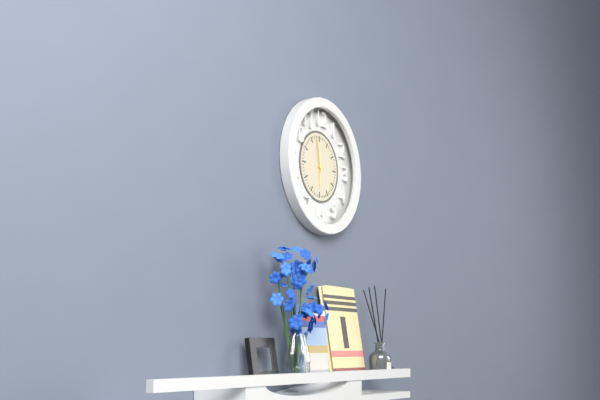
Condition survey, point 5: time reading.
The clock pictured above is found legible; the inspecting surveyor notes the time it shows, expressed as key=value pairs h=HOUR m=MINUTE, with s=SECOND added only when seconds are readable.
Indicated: h=5 m=58
